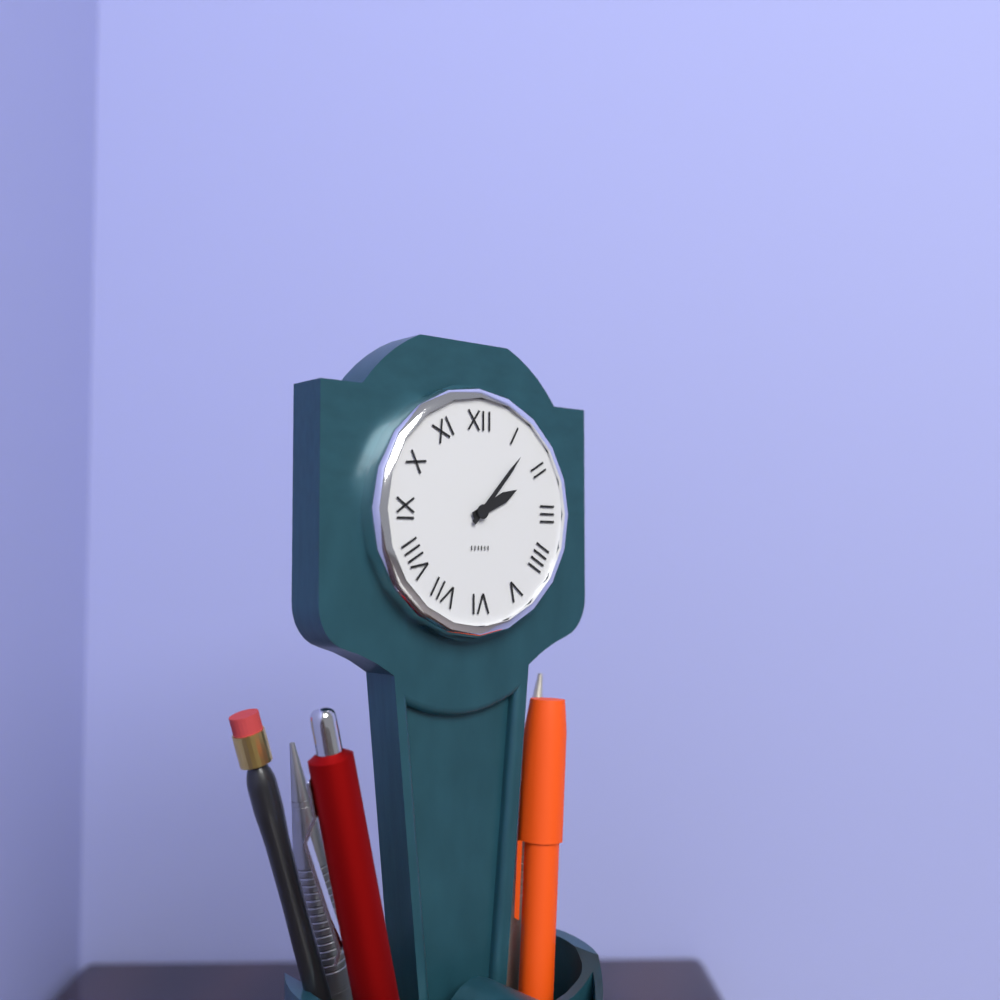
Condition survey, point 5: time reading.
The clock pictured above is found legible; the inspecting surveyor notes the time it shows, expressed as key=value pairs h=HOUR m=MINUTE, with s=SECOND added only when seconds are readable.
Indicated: h=2 m=7
